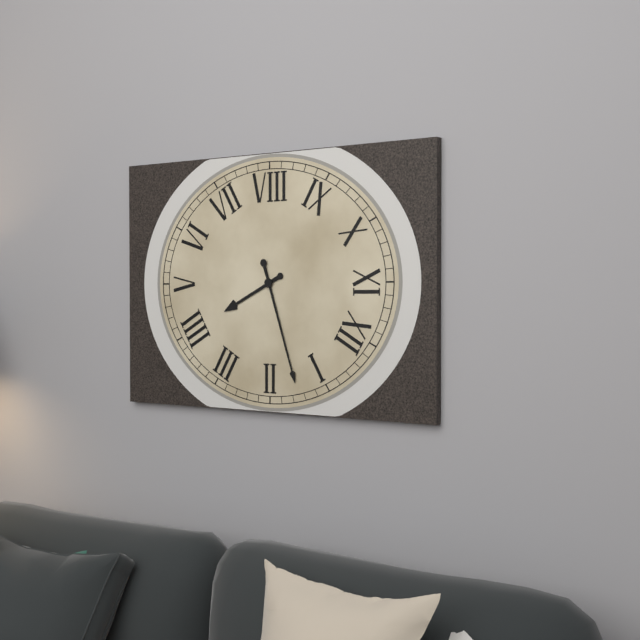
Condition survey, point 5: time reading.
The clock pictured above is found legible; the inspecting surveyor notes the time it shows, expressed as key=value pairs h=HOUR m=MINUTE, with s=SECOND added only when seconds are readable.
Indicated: h=4 m=7
